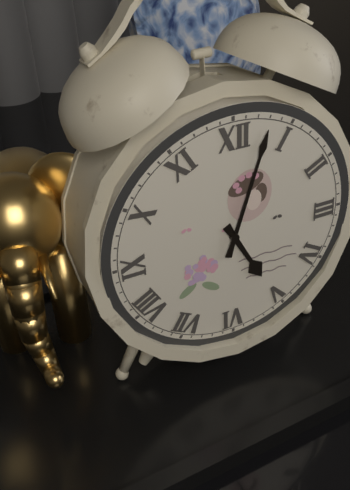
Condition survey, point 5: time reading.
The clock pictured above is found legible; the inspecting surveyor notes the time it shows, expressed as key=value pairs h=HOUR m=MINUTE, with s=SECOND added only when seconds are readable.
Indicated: h=5 m=3
